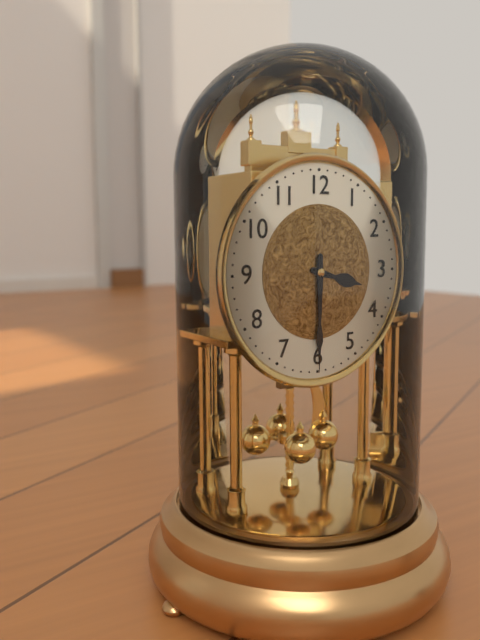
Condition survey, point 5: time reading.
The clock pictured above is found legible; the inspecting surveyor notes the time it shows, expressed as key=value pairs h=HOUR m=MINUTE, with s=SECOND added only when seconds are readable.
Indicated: h=3 m=30
